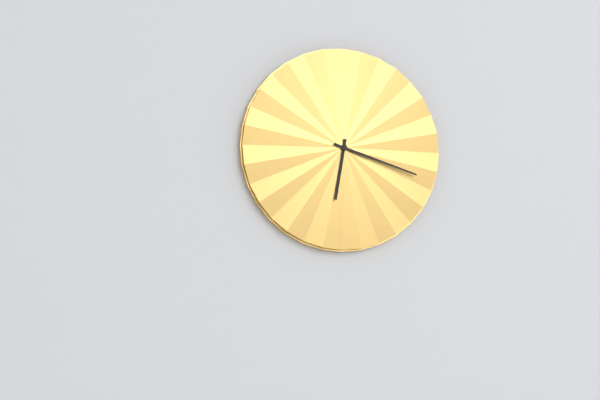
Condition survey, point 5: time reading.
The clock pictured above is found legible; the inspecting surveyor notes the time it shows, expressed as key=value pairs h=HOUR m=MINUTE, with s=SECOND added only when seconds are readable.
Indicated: h=6 m=18
